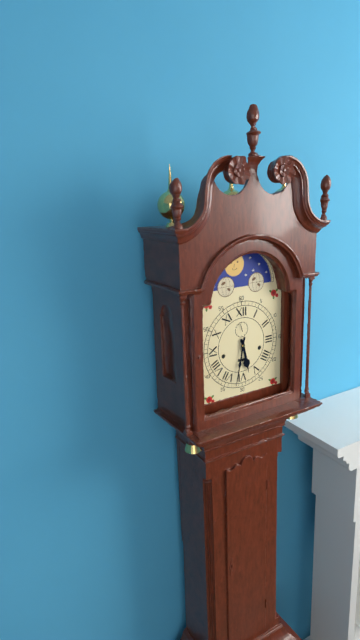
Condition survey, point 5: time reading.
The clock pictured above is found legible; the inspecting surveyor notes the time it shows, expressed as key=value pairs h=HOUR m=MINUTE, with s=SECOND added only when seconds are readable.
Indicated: h=5 m=32
